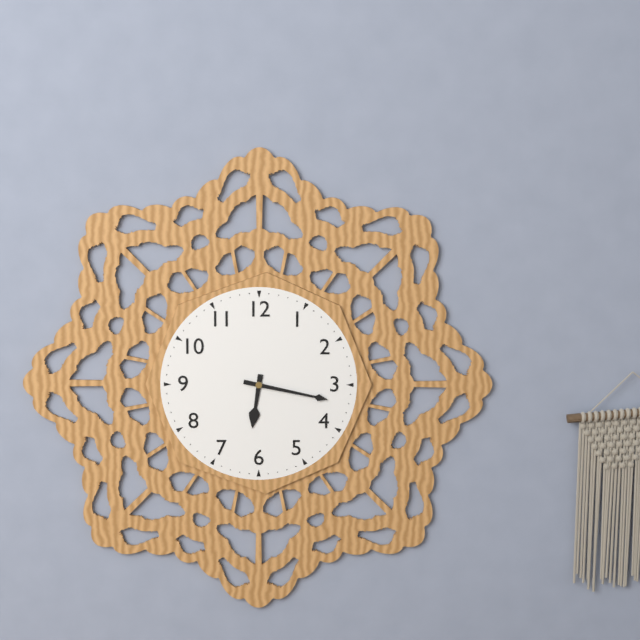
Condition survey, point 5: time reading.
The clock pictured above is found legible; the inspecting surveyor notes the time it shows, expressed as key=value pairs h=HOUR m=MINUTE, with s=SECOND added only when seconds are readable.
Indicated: h=6 m=17
